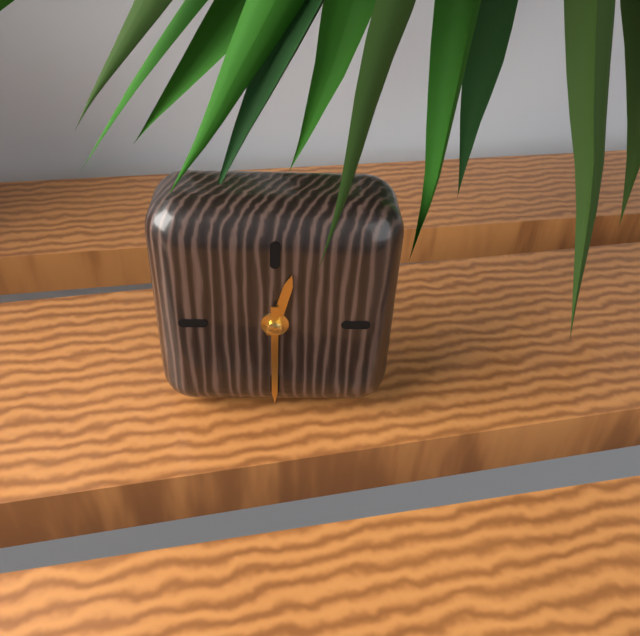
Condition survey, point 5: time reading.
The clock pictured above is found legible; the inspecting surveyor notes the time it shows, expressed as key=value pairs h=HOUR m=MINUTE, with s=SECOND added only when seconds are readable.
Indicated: h=12 m=30
